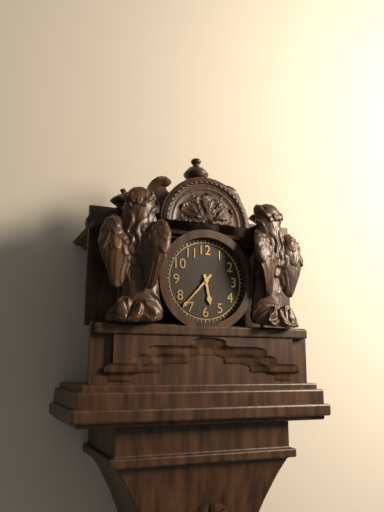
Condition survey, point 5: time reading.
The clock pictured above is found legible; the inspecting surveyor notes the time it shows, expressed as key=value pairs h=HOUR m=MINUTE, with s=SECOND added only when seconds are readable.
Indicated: h=5 m=37
